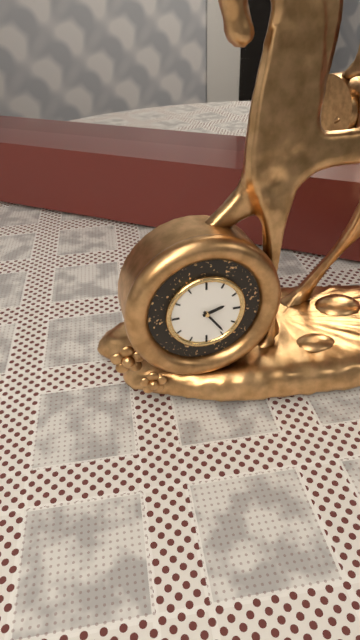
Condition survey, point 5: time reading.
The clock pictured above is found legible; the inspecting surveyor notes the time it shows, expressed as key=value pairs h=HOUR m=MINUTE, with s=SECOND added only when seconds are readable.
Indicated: h=2 m=24
